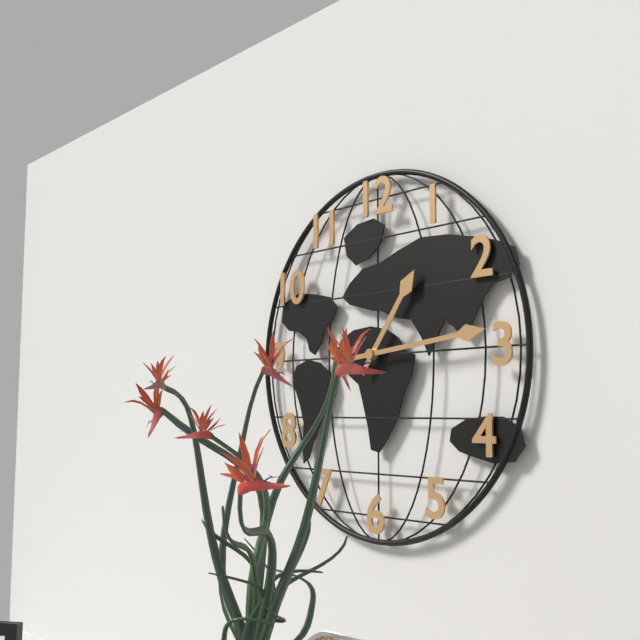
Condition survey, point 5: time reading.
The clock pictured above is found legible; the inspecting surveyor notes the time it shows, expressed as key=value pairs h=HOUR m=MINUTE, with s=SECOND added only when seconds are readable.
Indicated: h=1 m=14
